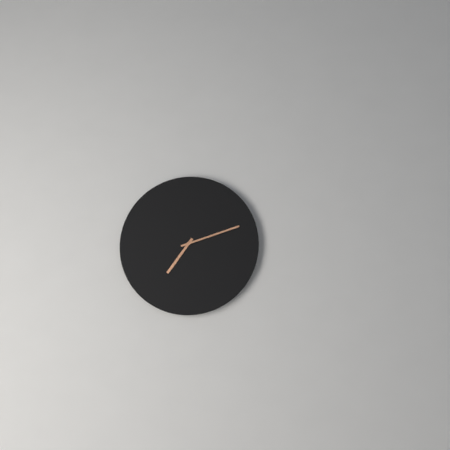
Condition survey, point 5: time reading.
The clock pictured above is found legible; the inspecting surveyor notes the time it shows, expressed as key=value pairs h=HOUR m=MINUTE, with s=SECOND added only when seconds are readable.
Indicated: h=7 m=12
